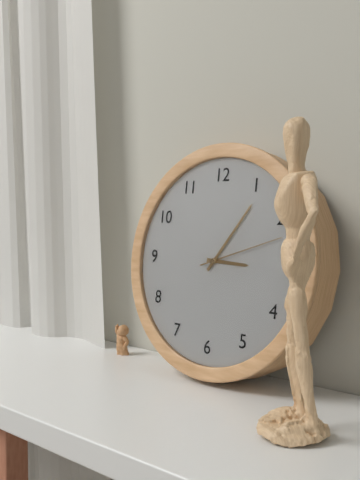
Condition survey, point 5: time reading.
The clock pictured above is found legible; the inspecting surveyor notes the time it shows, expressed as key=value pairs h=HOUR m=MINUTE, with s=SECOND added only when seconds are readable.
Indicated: h=3 m=6 s=12
